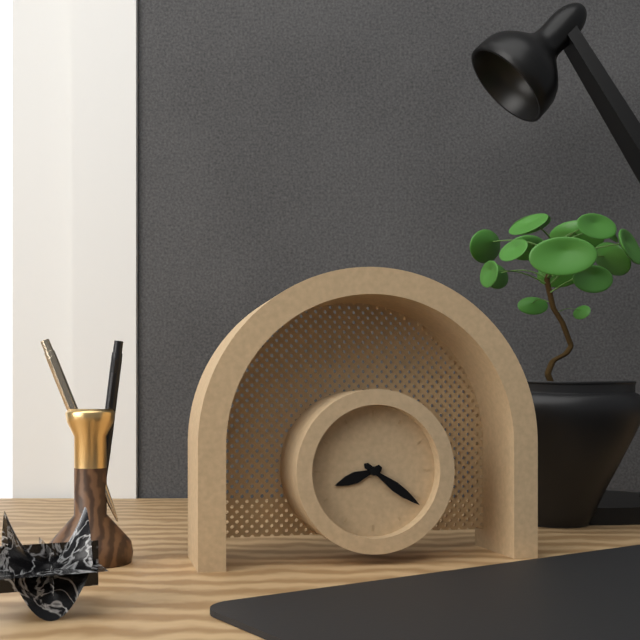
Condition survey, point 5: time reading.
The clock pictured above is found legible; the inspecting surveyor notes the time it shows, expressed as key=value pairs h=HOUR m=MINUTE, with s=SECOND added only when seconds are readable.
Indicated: h=8 m=21
